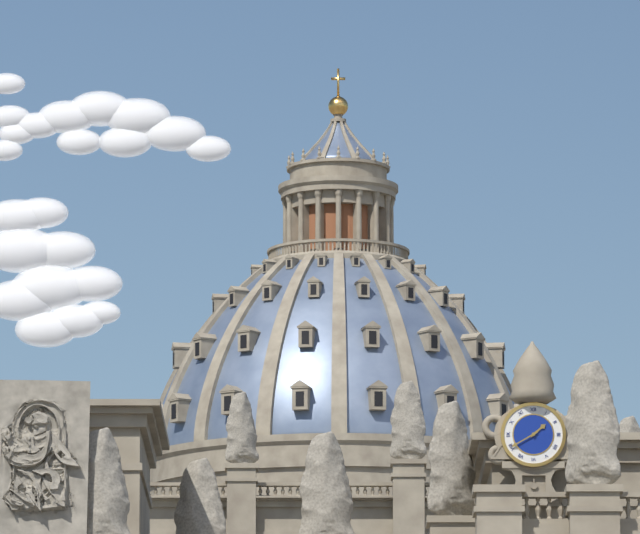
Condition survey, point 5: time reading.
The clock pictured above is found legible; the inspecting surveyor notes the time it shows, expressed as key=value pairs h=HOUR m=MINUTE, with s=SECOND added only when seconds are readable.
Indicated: h=1 m=40
